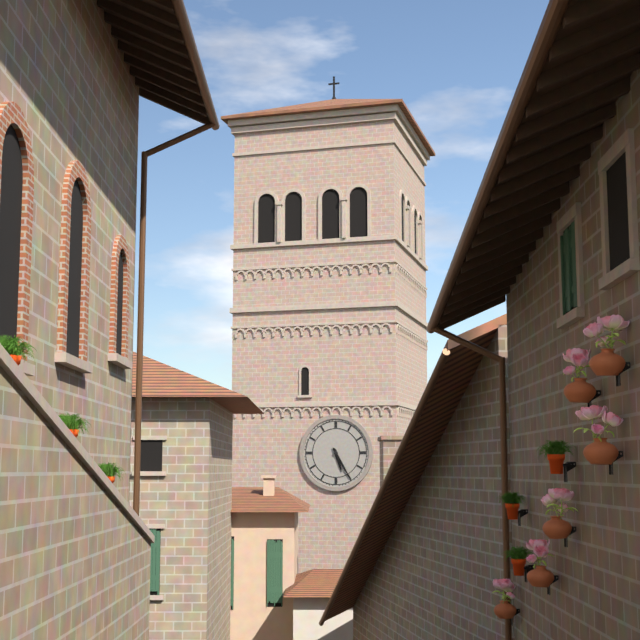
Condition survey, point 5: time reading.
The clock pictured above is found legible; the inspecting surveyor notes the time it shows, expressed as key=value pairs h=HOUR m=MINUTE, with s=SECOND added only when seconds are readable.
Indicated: h=5 m=25
